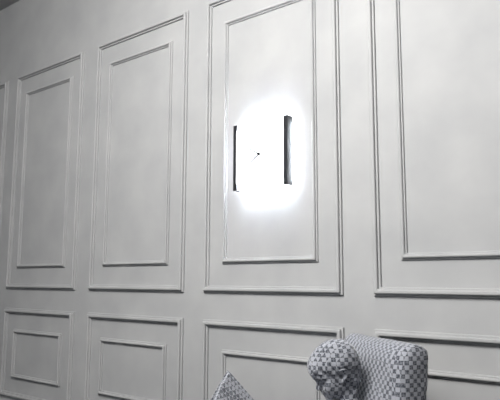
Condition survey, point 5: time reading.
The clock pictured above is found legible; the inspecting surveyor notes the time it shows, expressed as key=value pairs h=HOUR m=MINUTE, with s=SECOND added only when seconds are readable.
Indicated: h=7 m=50
